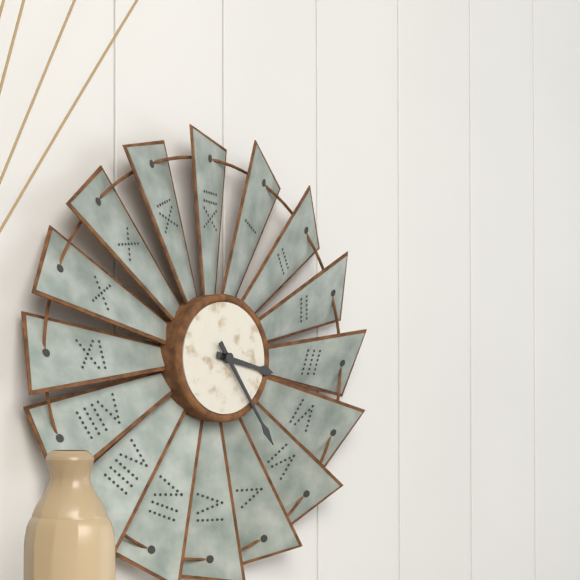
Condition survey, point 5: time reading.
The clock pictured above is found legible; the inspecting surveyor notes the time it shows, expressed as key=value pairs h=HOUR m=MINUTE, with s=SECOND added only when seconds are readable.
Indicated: h=3 m=24
